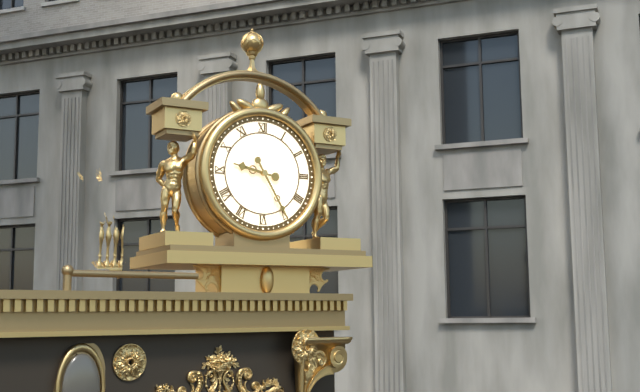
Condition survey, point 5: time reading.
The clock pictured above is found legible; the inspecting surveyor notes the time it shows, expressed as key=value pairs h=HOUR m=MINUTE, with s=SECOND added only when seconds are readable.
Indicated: h=9 m=25
